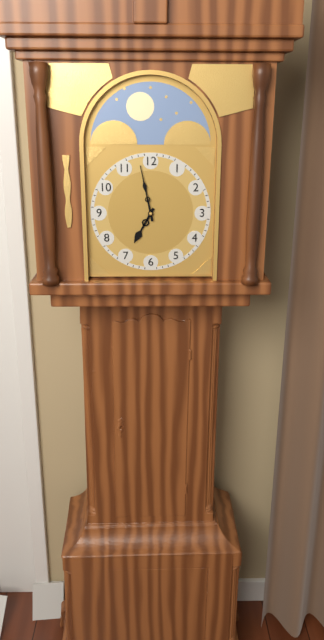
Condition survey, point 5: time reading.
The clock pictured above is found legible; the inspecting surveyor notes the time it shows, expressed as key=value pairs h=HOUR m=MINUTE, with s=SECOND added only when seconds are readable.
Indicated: h=6 m=58
